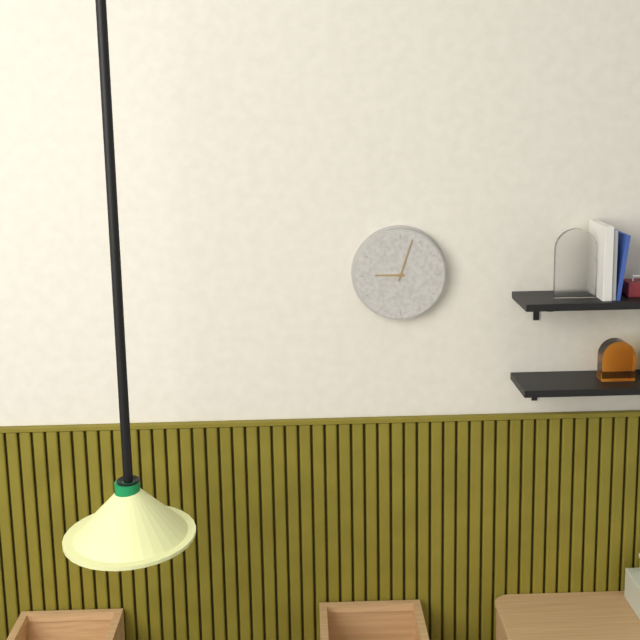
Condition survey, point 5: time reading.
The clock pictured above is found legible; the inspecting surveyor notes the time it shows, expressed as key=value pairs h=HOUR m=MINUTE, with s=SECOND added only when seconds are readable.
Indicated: h=9 m=3
